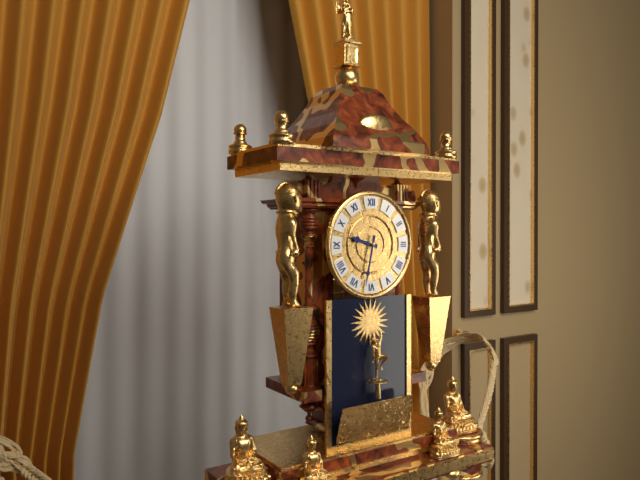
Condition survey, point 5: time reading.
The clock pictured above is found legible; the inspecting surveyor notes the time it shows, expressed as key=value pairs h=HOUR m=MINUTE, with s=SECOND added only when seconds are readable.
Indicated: h=9 m=32
